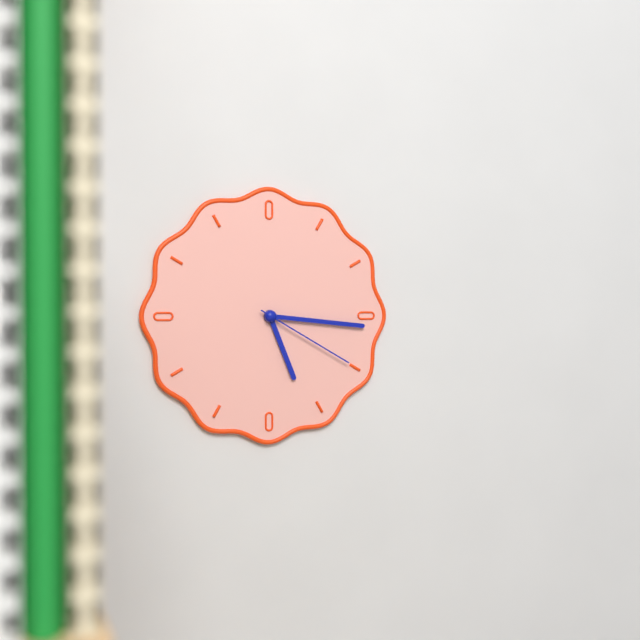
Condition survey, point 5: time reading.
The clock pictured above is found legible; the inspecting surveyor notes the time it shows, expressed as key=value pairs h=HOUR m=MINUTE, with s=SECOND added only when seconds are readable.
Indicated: h=5 m=16 s=20
